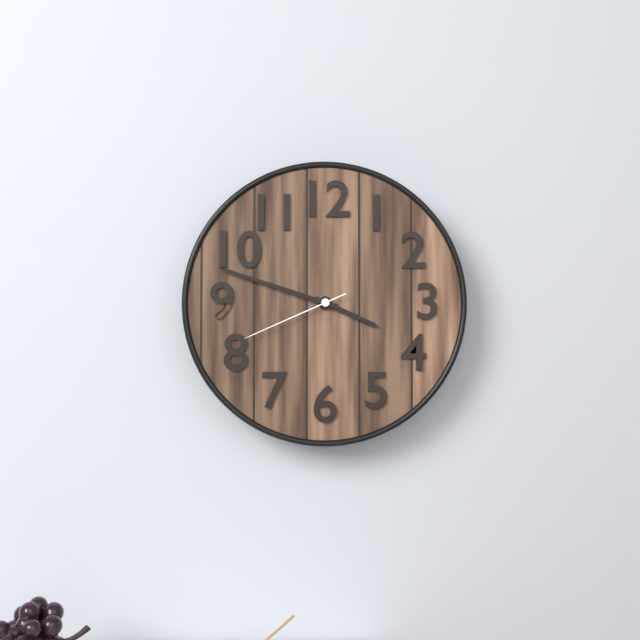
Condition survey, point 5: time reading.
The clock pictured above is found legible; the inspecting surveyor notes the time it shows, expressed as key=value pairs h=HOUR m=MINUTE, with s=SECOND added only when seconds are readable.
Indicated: h=3 m=48 s=41
